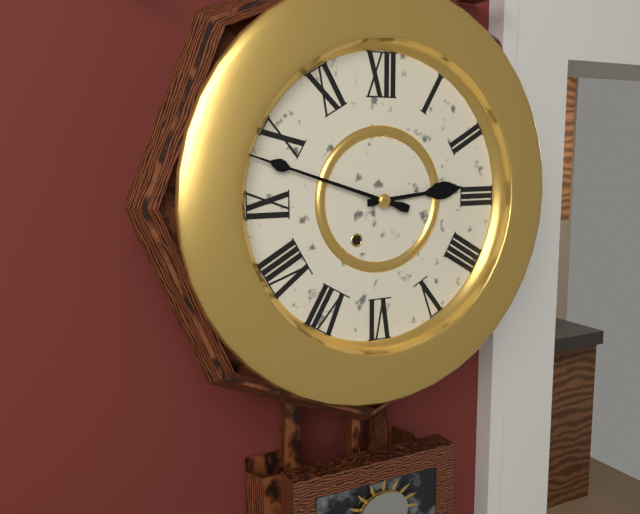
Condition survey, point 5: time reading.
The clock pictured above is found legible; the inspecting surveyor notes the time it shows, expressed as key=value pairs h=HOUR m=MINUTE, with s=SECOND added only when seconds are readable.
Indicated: h=2 m=48
